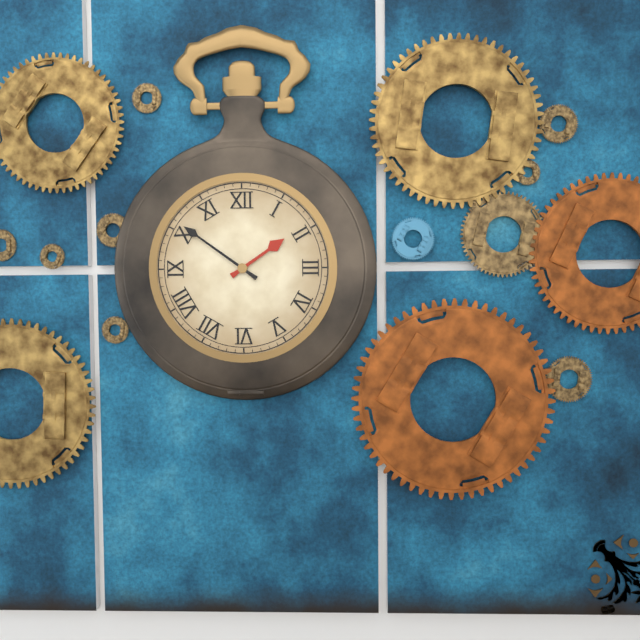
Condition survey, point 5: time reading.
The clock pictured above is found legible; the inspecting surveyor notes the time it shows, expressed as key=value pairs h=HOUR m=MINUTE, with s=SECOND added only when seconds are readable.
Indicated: h=1 m=51
